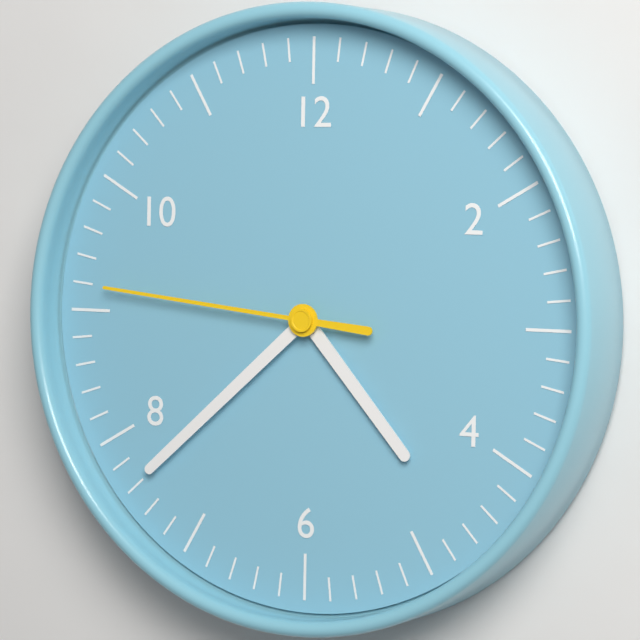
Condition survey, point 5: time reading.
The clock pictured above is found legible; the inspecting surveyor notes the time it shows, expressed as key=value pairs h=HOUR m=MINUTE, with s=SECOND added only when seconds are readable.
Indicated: h=4 m=38 s=46
